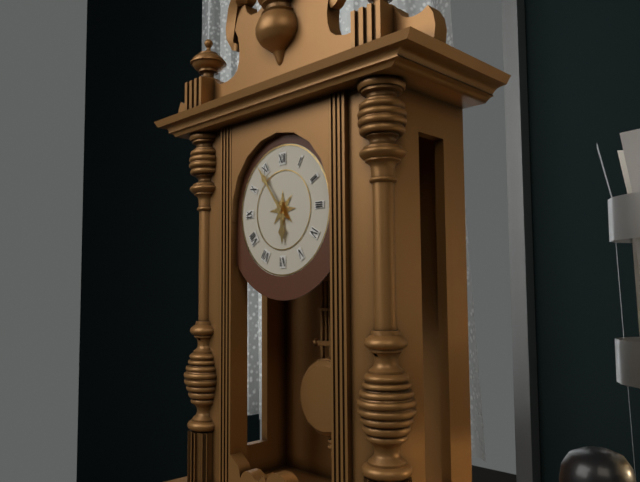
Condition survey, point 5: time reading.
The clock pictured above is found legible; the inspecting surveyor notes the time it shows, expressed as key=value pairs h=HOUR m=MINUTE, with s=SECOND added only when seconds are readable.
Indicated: h=5 m=54
